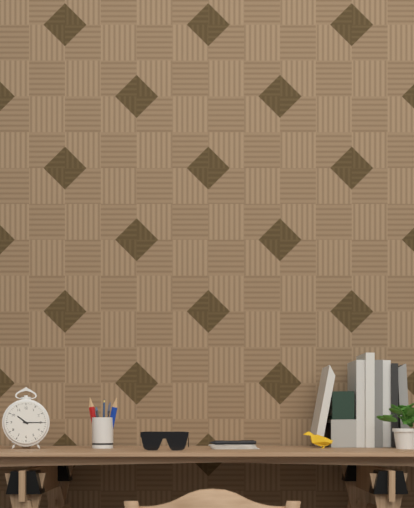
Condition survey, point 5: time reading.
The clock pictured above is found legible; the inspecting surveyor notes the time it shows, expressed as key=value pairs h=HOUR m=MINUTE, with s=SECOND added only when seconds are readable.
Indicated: h=10 m=15
